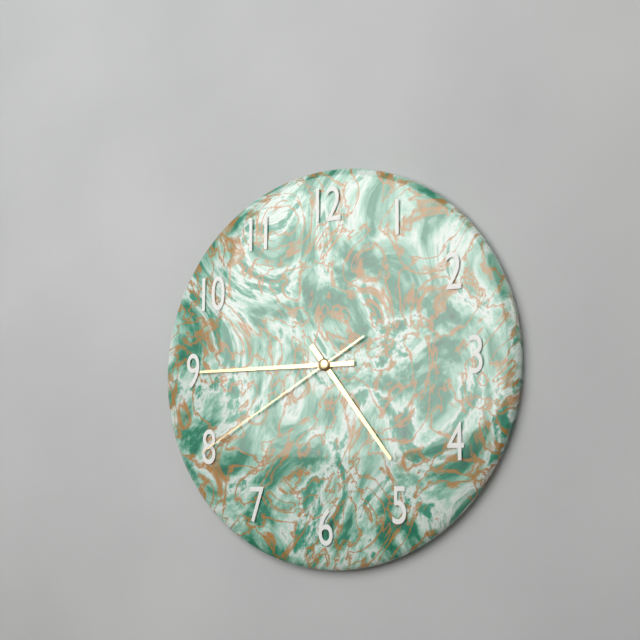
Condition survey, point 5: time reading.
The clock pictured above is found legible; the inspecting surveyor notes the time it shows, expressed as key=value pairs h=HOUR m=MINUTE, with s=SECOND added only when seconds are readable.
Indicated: h=4 m=45 s=40
